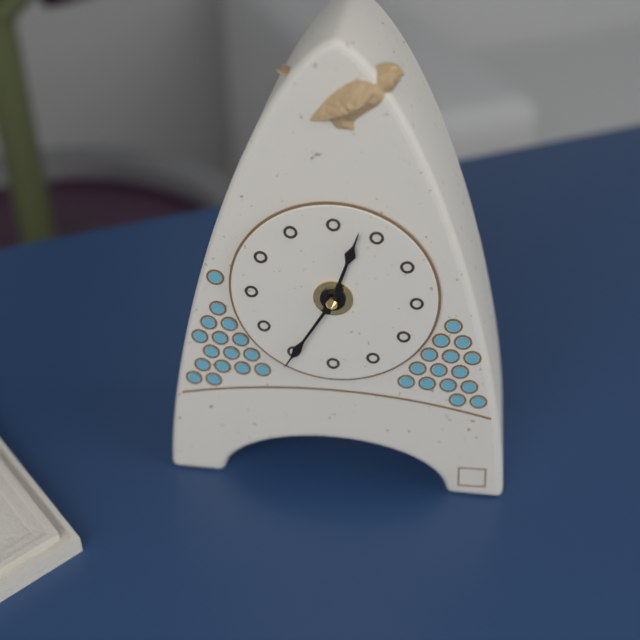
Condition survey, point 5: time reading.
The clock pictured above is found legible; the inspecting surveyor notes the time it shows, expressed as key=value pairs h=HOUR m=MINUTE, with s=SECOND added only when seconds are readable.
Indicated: h=12 m=35
